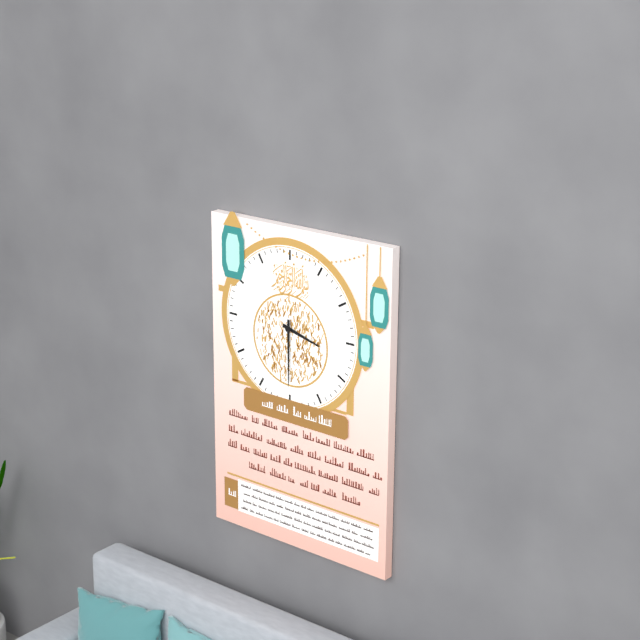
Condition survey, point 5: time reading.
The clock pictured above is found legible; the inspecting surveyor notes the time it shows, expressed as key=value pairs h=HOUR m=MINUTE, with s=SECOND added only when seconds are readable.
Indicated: h=3 m=30
